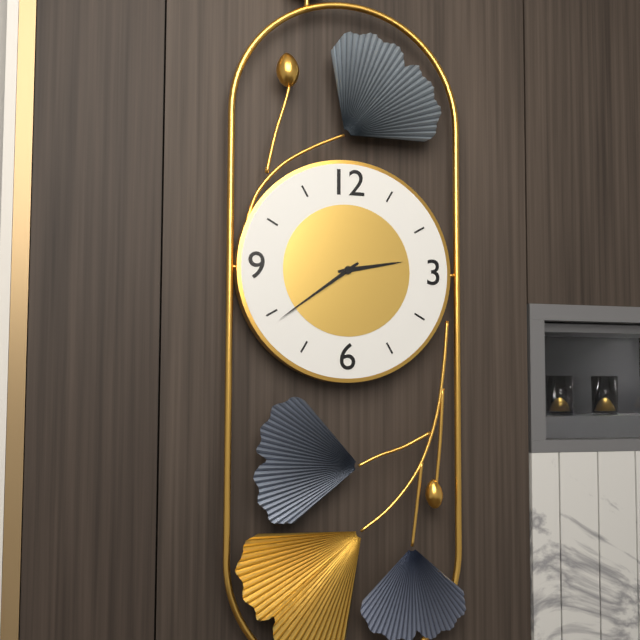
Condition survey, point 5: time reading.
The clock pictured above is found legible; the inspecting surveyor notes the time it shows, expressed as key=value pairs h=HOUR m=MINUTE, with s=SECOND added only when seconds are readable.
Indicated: h=2 m=39
